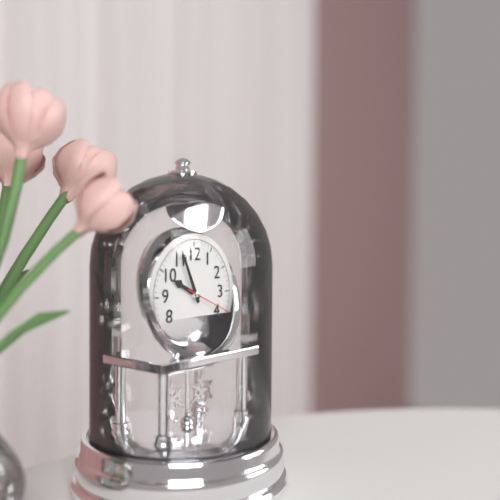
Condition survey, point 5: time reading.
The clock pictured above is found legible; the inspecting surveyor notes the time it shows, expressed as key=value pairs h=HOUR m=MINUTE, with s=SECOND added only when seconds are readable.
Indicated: h=9 m=56
